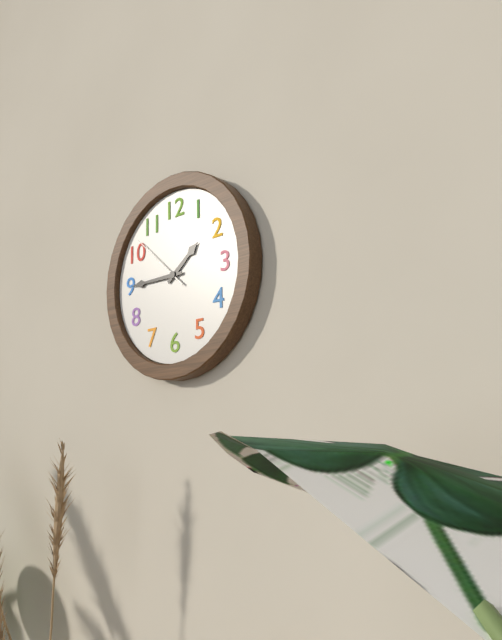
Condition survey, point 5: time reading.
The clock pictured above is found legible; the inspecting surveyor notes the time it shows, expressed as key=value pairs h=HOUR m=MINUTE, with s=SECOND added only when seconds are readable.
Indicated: h=1 m=45 s=52
